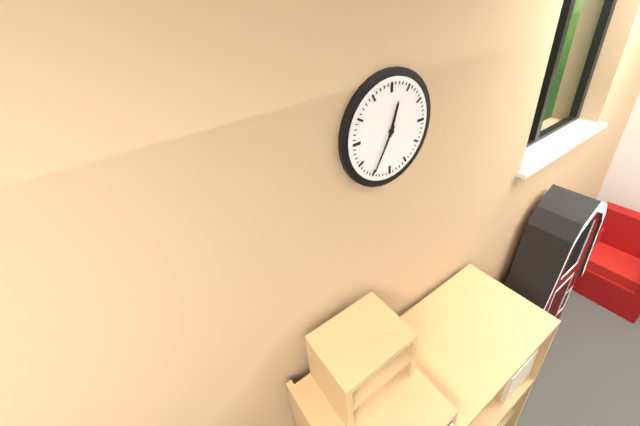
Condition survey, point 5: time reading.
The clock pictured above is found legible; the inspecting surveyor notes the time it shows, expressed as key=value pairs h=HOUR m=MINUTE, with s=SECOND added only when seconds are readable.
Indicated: h=12 m=35
